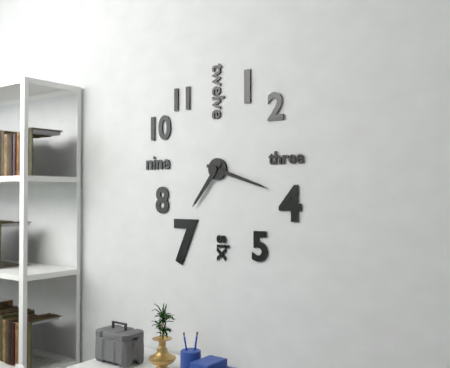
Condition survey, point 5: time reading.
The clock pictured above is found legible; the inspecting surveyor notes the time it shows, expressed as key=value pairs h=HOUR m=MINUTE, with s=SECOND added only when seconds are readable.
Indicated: h=7 m=18
